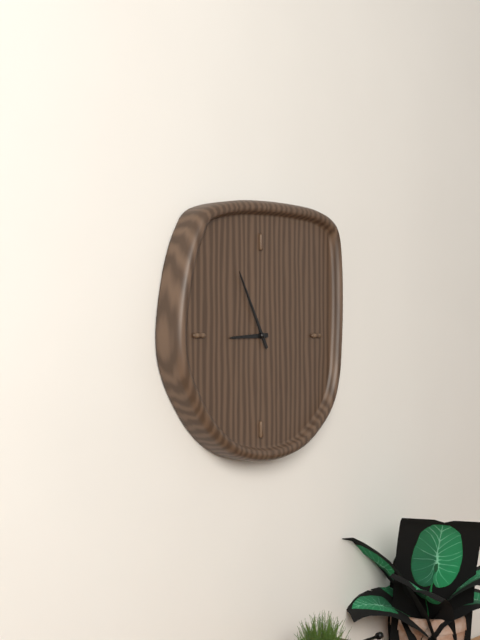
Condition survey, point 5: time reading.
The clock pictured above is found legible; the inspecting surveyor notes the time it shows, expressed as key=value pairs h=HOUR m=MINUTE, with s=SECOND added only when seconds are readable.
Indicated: h=8 m=55
